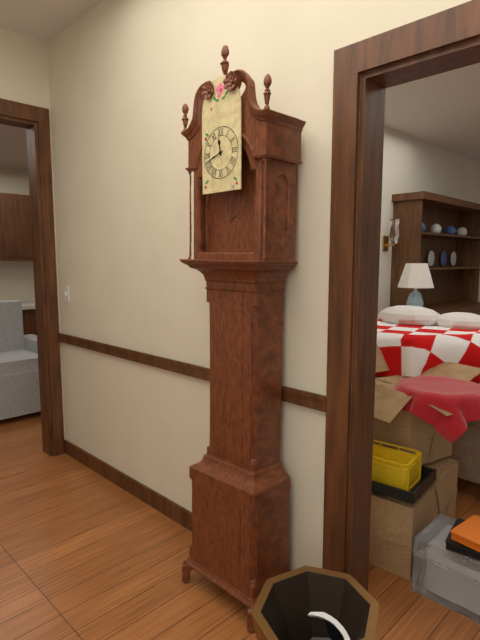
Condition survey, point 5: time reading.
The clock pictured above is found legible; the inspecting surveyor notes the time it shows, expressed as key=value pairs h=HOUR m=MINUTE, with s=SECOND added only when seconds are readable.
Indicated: h=11 m=42
